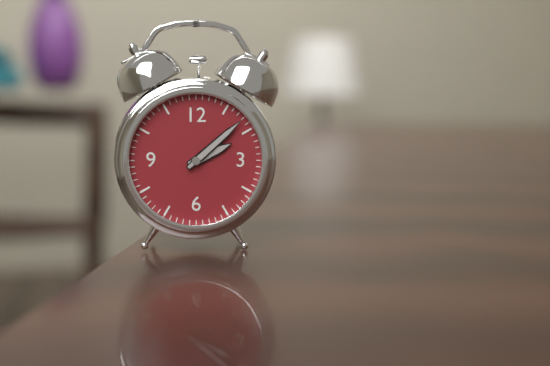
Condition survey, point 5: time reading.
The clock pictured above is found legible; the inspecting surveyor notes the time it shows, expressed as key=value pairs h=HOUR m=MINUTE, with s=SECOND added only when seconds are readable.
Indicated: h=2 m=8
